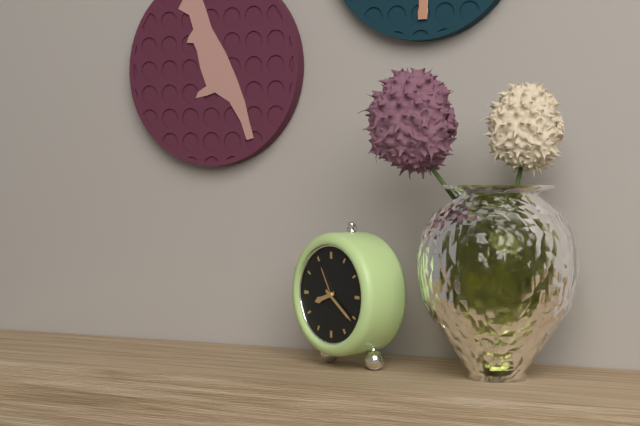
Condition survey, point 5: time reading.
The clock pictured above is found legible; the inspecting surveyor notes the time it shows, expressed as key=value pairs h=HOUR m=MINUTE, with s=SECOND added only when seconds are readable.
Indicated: h=8 m=21
